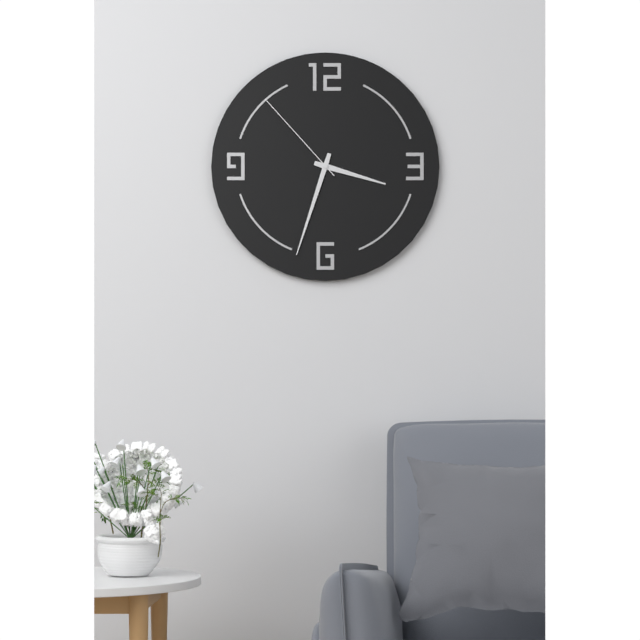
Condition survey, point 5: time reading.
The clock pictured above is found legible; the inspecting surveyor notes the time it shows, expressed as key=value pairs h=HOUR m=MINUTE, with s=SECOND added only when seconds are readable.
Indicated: h=3 m=33 s=53
